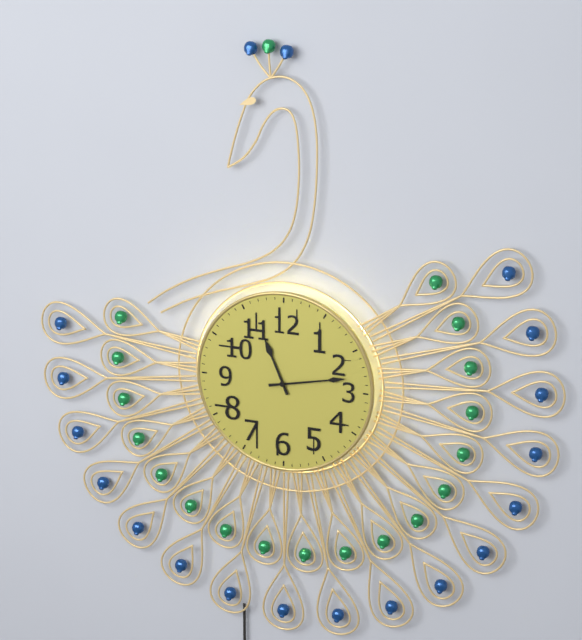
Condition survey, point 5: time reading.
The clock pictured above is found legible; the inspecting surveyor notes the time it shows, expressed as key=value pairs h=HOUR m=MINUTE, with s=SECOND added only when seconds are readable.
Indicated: h=11 m=13
